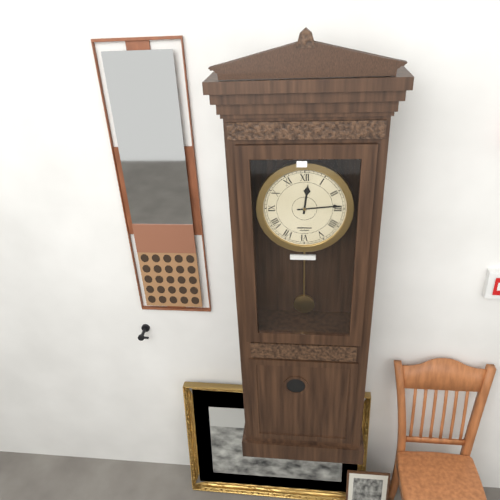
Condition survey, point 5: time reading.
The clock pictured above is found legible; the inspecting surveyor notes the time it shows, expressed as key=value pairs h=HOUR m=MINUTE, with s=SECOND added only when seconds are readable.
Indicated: h=12 m=14
